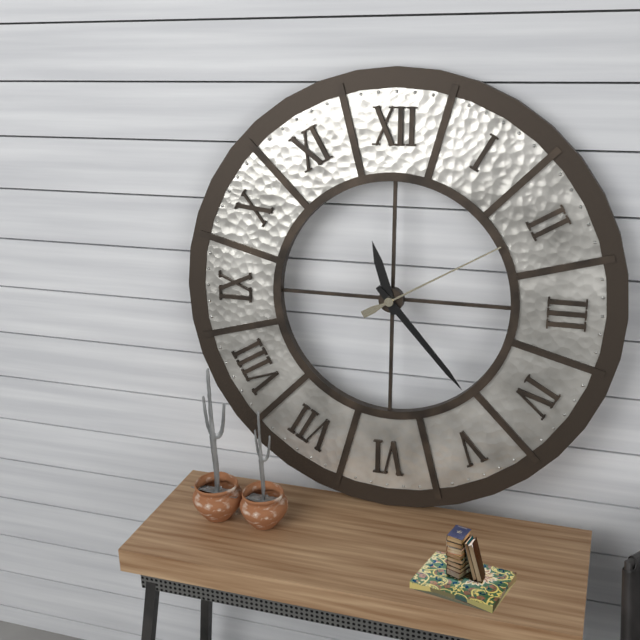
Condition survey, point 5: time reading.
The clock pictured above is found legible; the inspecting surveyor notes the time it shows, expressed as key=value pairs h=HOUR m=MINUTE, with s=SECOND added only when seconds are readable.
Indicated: h=11 m=23 s=10
